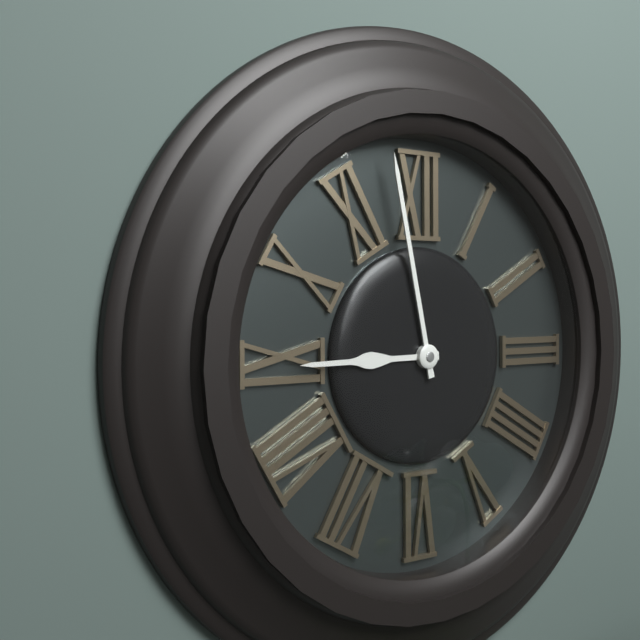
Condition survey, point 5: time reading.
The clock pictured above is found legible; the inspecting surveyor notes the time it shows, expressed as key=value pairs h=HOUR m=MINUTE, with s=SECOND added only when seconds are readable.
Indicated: h=8 m=58
